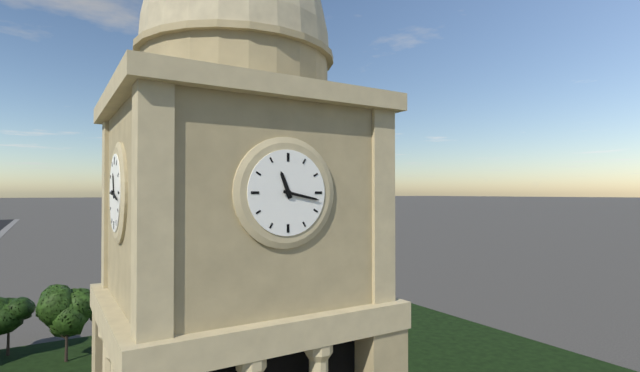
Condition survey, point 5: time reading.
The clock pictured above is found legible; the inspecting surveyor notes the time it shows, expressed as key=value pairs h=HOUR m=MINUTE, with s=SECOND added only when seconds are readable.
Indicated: h=11 m=17
